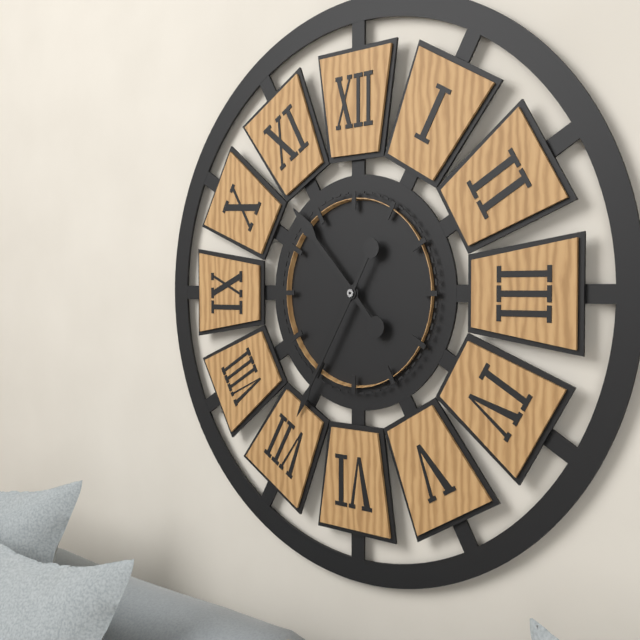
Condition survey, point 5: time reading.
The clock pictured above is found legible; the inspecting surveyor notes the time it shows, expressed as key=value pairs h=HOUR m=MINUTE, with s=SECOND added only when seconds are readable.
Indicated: h=10 m=35
